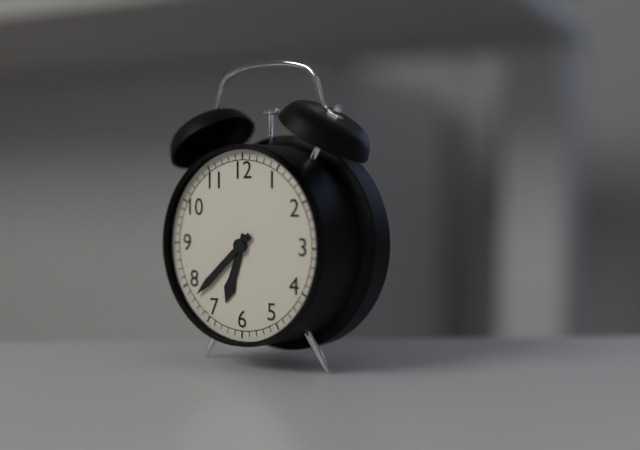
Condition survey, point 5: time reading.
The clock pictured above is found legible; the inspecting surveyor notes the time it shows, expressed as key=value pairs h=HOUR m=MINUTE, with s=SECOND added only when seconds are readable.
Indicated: h=6 m=38
